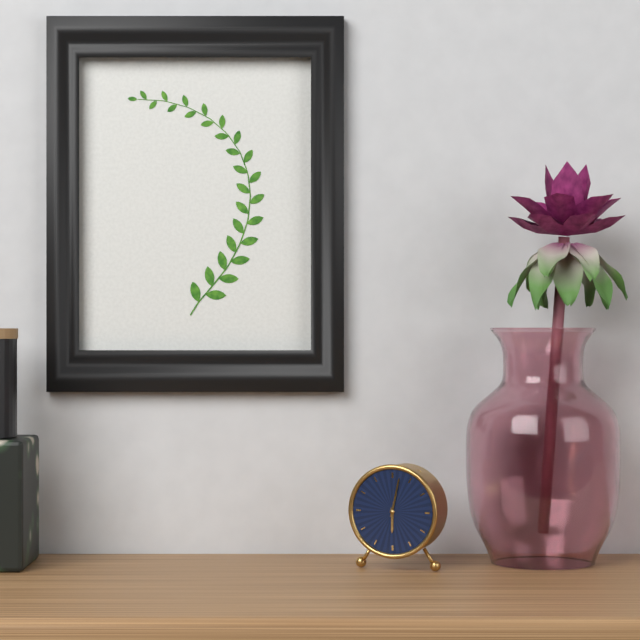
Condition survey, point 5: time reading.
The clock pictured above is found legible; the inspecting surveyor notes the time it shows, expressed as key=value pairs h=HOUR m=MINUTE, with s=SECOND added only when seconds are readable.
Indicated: h=6 m=2
